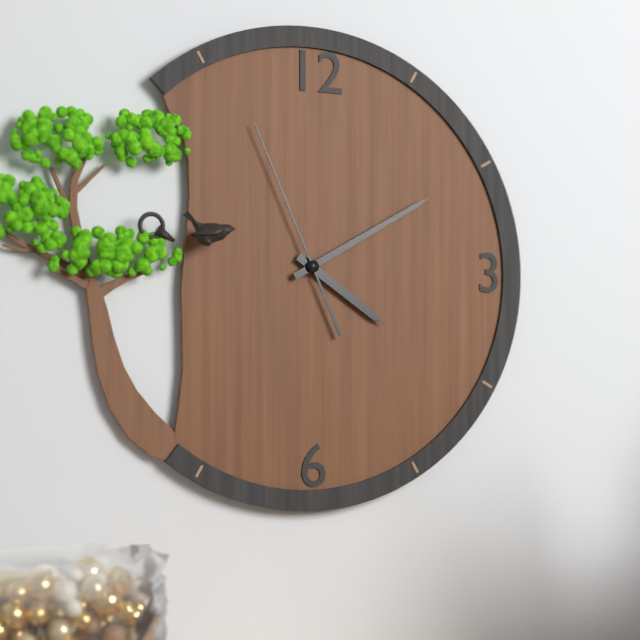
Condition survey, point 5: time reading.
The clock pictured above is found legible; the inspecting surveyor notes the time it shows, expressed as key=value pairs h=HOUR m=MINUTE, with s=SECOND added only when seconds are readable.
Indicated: h=4 m=10 s=56
